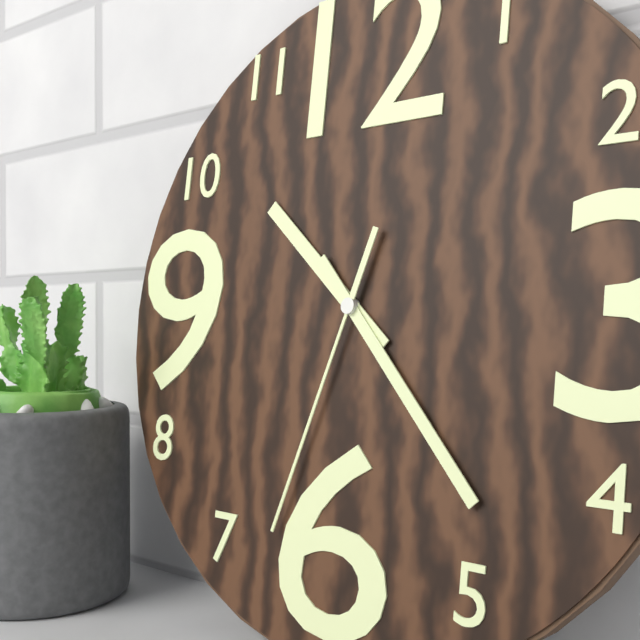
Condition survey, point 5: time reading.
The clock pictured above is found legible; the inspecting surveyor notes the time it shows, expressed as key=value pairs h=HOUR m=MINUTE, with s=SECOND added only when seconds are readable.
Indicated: h=10 m=23 s=33
